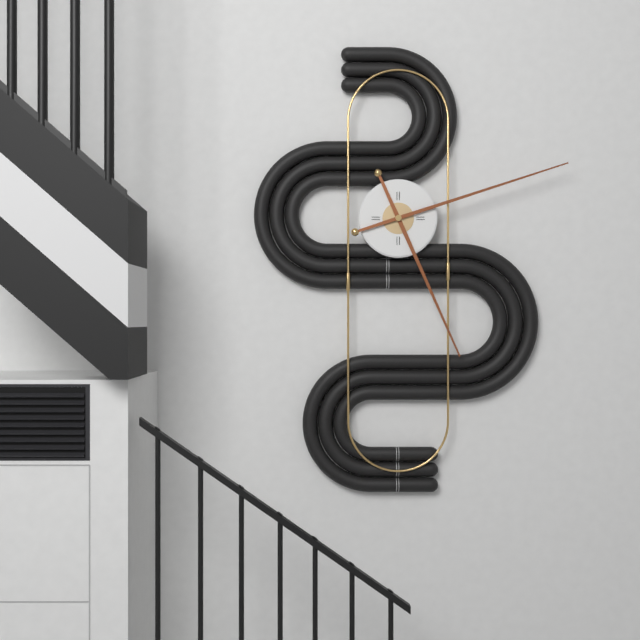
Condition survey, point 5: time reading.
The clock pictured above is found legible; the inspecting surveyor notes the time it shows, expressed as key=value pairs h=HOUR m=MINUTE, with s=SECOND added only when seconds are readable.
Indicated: h=5 m=12
